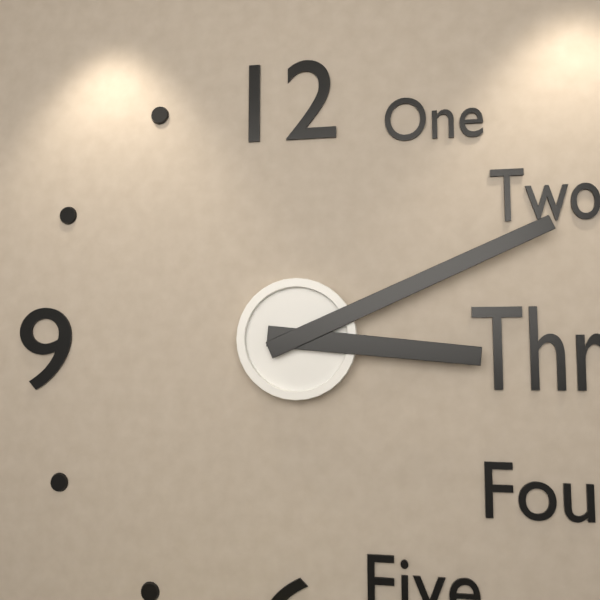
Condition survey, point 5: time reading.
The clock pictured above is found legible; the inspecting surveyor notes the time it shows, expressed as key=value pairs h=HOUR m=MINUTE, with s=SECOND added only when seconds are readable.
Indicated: h=3 m=11
